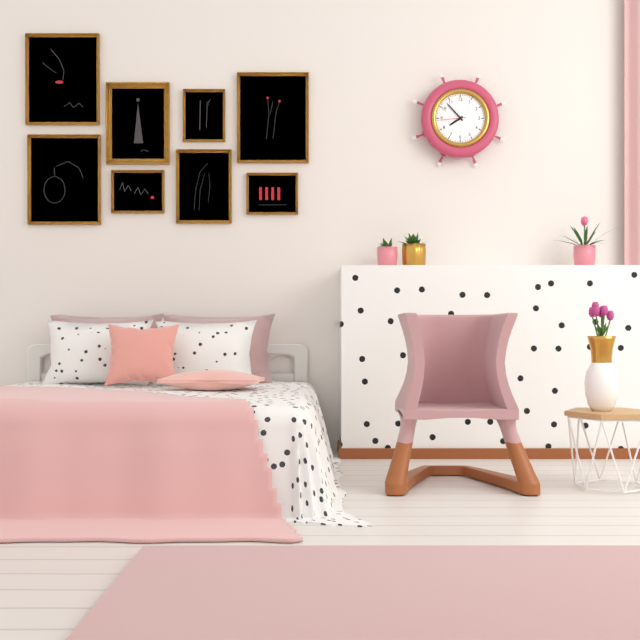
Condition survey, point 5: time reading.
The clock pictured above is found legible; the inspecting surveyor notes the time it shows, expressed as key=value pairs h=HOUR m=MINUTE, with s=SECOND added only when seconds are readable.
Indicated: h=7 m=53
